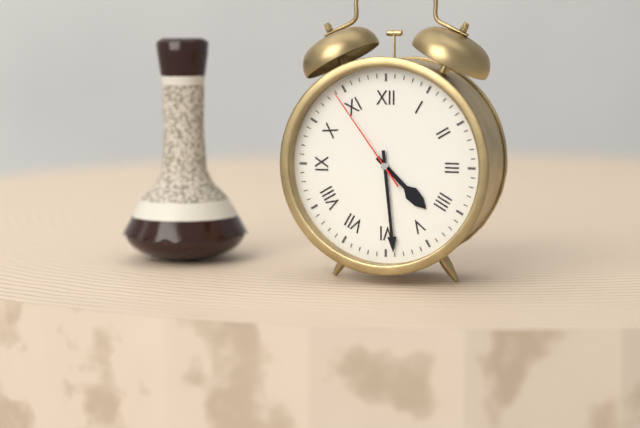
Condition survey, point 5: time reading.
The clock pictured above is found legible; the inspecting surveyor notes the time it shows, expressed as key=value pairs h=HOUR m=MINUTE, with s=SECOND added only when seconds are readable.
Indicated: h=4 m=29 s=54
